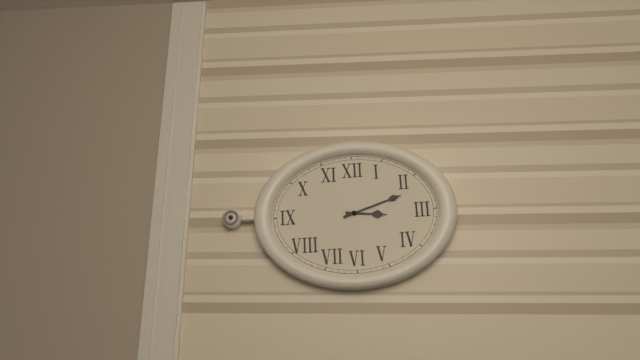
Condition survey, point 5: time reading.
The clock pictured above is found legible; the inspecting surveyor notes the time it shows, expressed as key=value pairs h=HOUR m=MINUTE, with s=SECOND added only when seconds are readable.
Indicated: h=3 m=12
